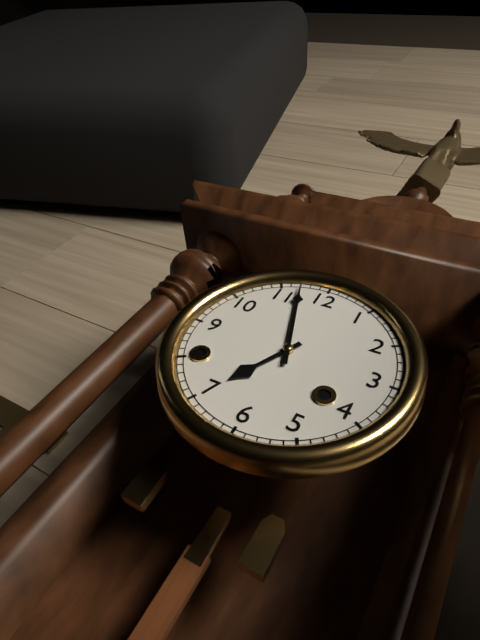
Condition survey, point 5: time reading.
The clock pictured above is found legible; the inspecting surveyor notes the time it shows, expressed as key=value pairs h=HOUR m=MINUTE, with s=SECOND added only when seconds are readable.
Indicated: h=6 m=57
